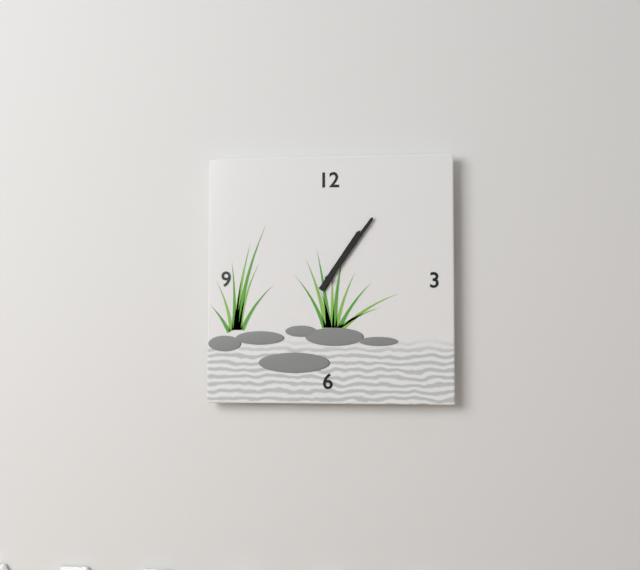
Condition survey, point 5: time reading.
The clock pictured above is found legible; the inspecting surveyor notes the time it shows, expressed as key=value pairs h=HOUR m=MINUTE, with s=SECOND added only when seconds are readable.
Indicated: h=1 m=6
